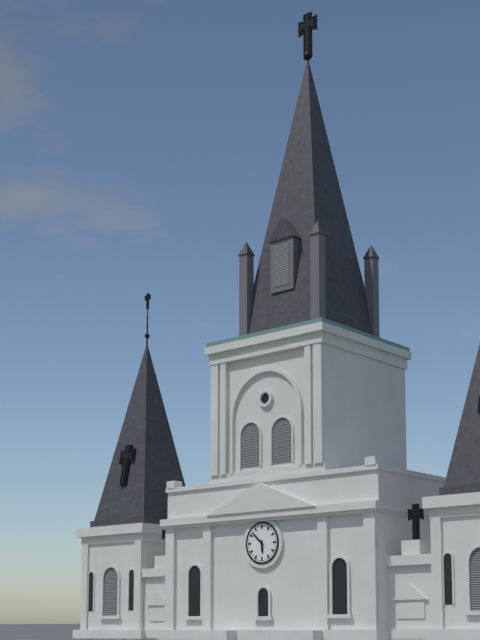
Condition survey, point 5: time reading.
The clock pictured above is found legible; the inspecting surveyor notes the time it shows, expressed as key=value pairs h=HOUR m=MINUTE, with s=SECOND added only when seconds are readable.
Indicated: h=5 m=52
